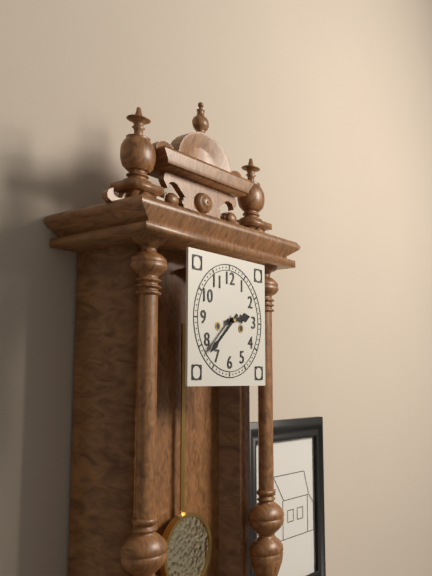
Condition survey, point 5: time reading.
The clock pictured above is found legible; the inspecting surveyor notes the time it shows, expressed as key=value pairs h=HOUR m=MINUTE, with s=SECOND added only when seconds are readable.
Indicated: h=2 m=38
